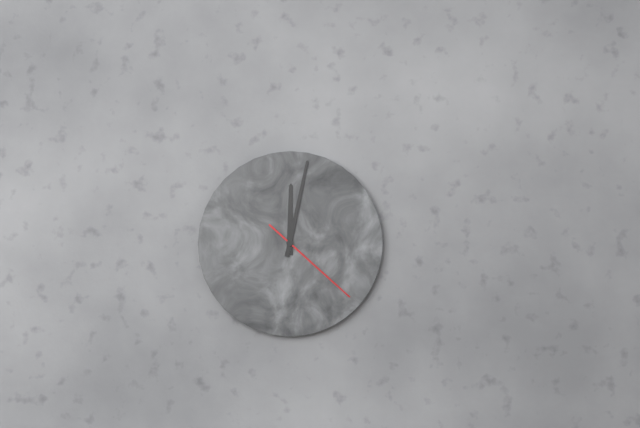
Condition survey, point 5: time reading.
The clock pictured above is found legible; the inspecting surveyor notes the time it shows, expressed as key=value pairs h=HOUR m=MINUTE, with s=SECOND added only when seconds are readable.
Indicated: h=12 m=2 s=22
